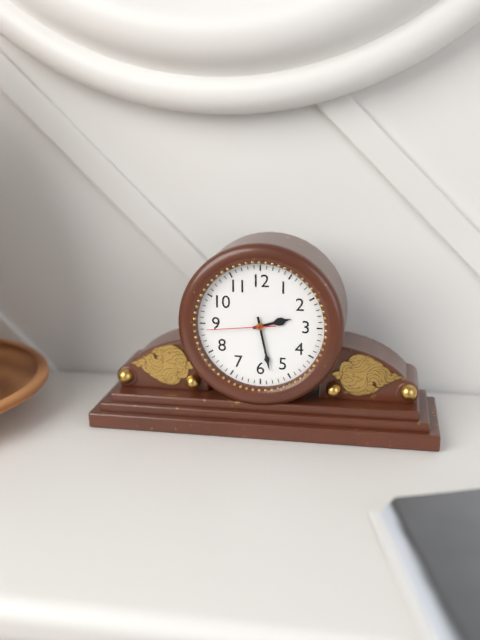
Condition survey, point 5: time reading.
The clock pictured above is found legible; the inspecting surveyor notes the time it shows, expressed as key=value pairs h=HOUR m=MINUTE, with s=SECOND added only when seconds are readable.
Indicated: h=2 m=28 s=44
